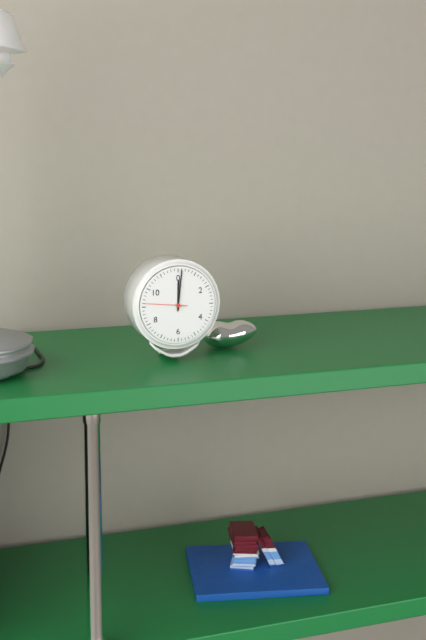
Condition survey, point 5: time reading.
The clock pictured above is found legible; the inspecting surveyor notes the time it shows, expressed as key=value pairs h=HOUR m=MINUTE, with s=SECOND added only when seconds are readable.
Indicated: h=12 m=1
